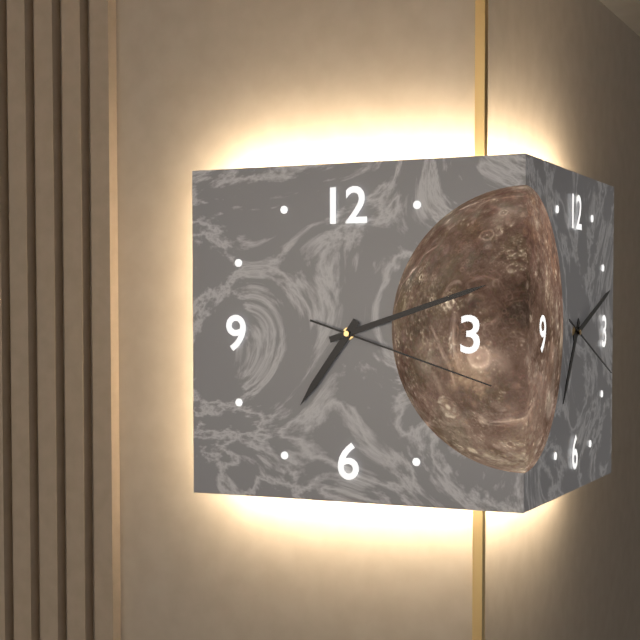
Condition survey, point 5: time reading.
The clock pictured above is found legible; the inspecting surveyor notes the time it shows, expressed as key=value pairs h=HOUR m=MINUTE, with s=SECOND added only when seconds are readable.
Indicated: h=7 m=12 s=18
